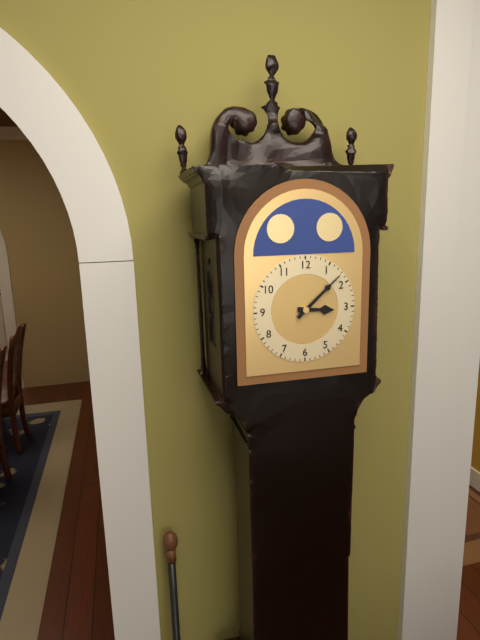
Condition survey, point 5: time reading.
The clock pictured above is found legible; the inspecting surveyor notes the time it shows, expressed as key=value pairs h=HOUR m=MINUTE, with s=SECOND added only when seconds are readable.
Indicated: h=3 m=8
